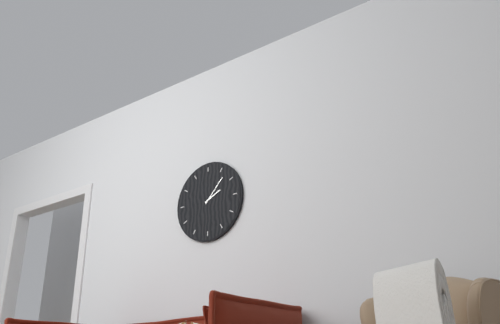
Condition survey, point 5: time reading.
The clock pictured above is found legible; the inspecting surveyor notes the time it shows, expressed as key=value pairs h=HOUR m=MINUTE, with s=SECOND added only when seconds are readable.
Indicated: h=2 m=7
